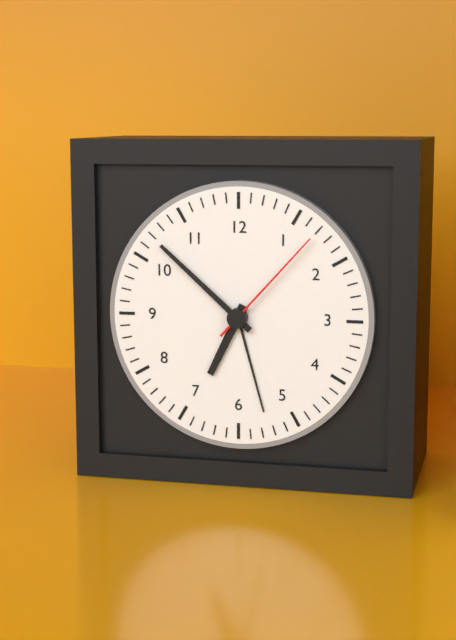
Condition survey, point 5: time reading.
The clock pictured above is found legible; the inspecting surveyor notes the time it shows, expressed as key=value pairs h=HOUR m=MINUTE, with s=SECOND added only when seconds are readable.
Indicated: h=6 m=52 s=7
